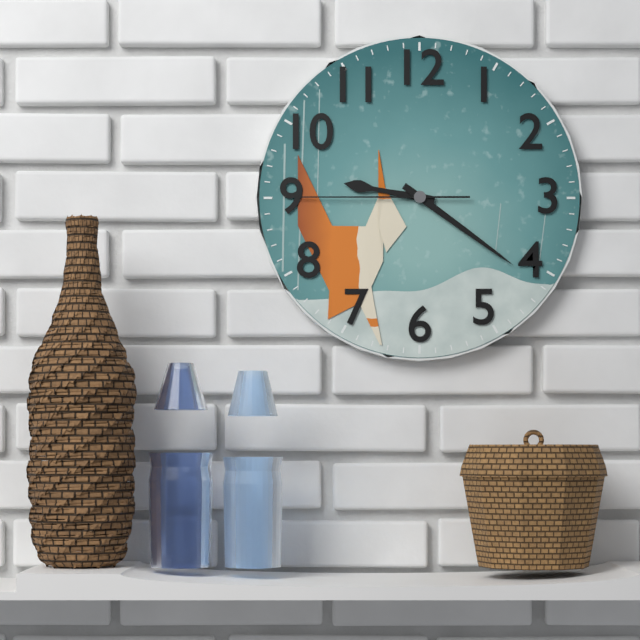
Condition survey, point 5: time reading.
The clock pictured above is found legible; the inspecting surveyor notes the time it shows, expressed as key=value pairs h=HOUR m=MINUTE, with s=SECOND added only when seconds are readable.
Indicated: h=9 m=21 s=45
